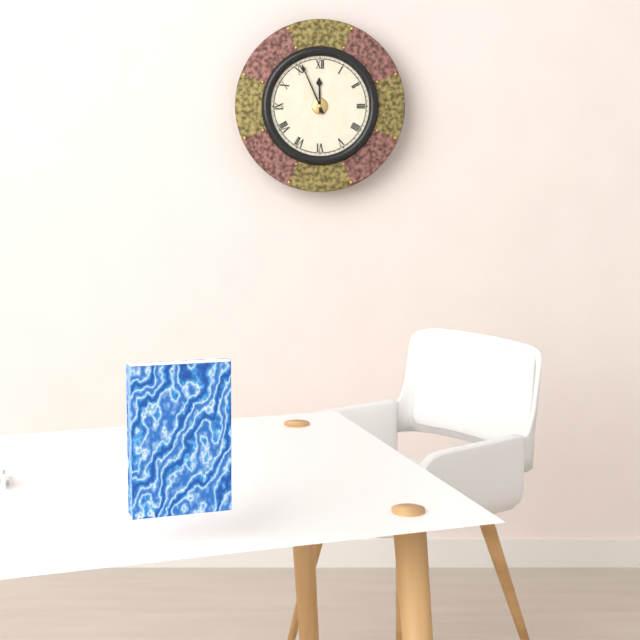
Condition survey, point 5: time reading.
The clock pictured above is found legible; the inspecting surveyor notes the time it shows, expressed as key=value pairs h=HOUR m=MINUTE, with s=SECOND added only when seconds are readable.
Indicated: h=11 m=56
